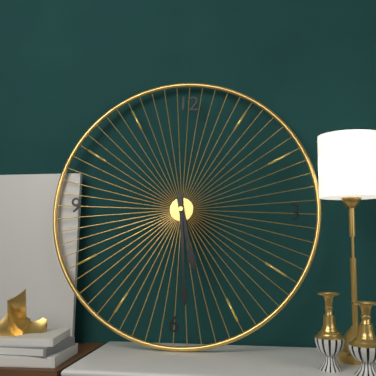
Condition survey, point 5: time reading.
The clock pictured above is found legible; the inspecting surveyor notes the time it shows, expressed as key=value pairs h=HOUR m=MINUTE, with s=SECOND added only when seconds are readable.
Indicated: h=5 m=29
